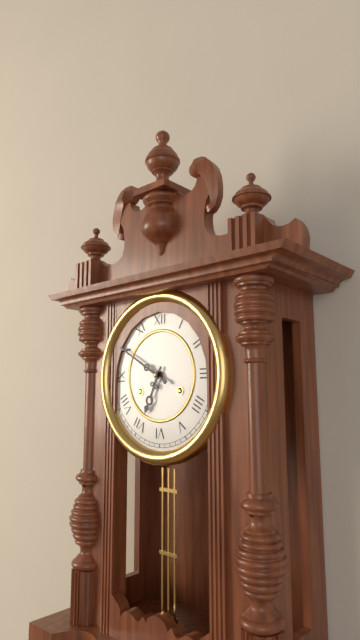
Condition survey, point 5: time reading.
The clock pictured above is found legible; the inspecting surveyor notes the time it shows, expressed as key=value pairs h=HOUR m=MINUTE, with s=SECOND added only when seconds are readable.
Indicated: h=6 m=50
